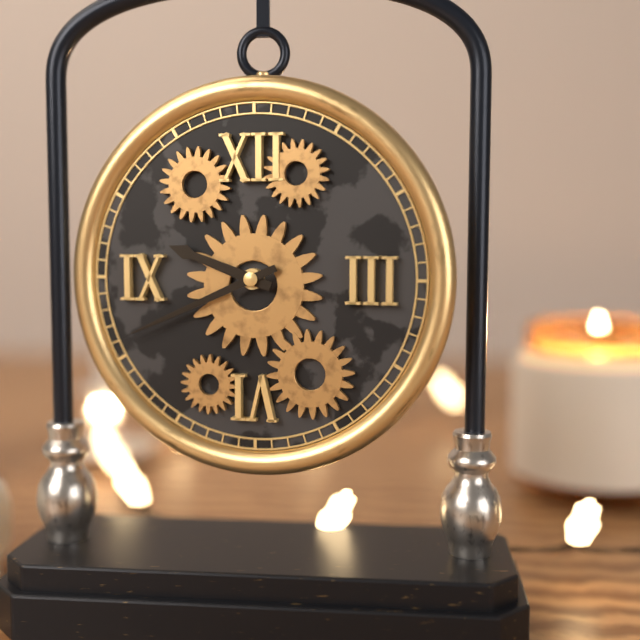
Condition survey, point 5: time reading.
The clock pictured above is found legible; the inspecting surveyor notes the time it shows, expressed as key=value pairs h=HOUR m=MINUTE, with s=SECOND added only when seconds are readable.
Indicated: h=9 m=41
